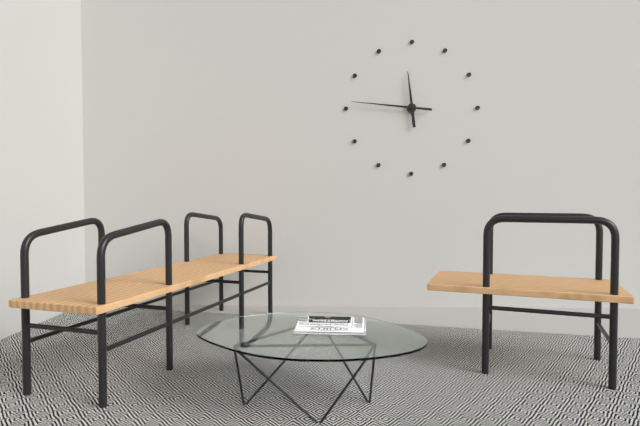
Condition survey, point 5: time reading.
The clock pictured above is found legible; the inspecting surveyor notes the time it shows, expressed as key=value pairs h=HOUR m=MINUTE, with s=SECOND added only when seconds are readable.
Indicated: h=11 m=46
